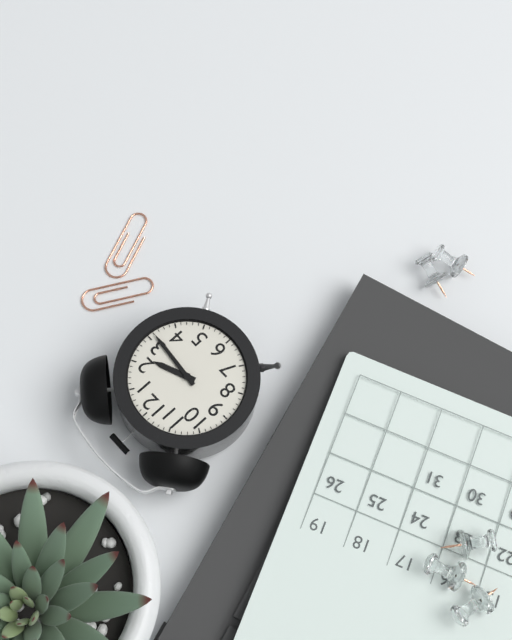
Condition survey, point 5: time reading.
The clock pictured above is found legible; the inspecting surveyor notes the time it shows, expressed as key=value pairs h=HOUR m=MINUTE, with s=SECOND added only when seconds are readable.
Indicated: h=2 m=16
